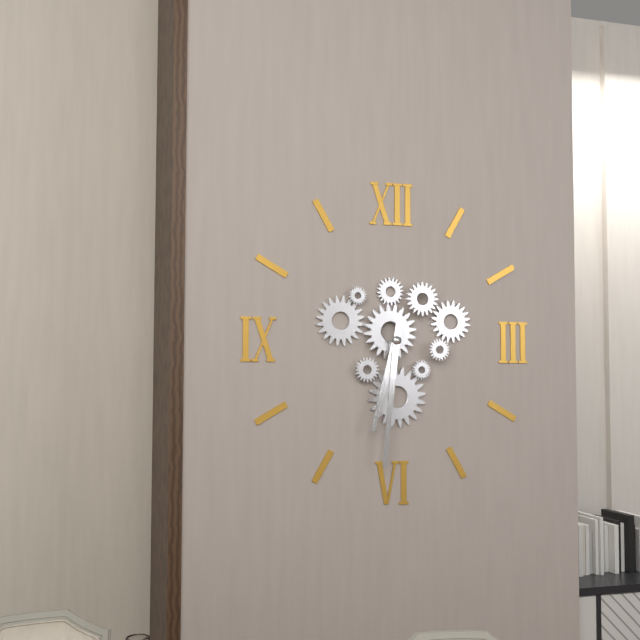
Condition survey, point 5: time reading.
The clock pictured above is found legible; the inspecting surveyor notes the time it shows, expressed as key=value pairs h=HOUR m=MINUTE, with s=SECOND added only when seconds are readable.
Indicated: h=6 m=31
